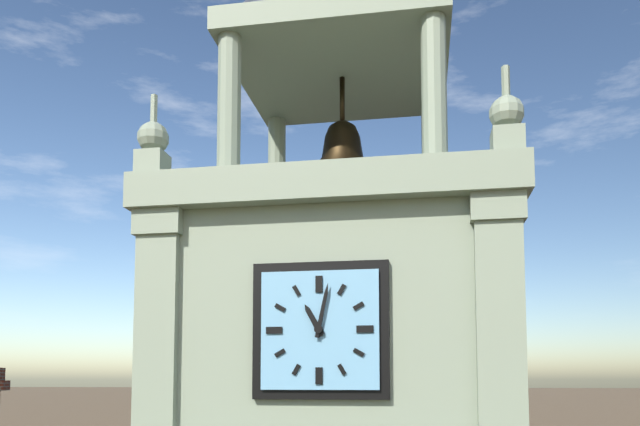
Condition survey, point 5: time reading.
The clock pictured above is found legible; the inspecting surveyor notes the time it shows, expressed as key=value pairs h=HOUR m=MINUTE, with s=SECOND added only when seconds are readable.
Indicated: h=11 m=2
